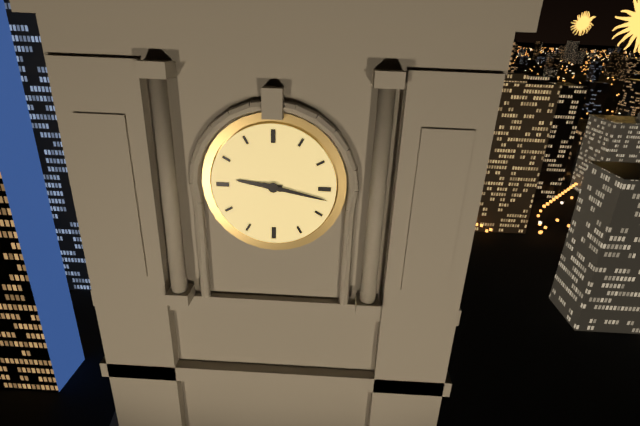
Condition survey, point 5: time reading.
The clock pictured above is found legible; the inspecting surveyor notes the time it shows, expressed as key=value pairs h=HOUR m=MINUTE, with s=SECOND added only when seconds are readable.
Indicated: h=9 m=17
